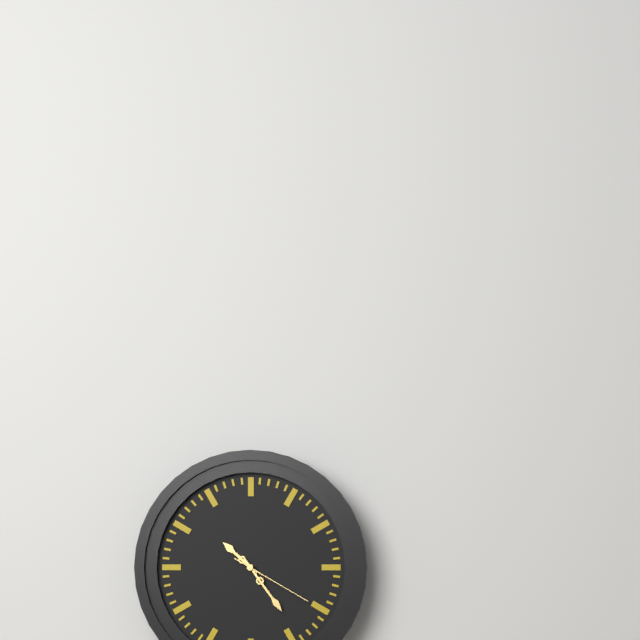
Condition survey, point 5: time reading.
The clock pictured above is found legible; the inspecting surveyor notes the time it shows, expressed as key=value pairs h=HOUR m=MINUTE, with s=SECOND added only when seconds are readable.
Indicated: h=10 m=24 s=20
